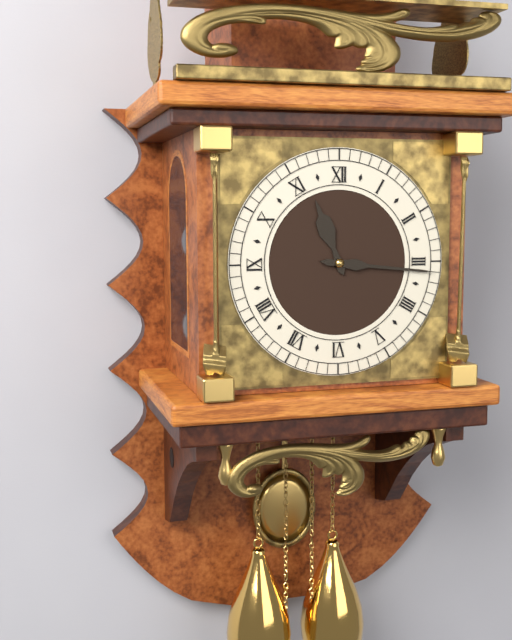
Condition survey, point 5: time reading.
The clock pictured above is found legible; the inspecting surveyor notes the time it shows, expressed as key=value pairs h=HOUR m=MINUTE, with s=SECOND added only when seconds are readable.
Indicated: h=11 m=16
